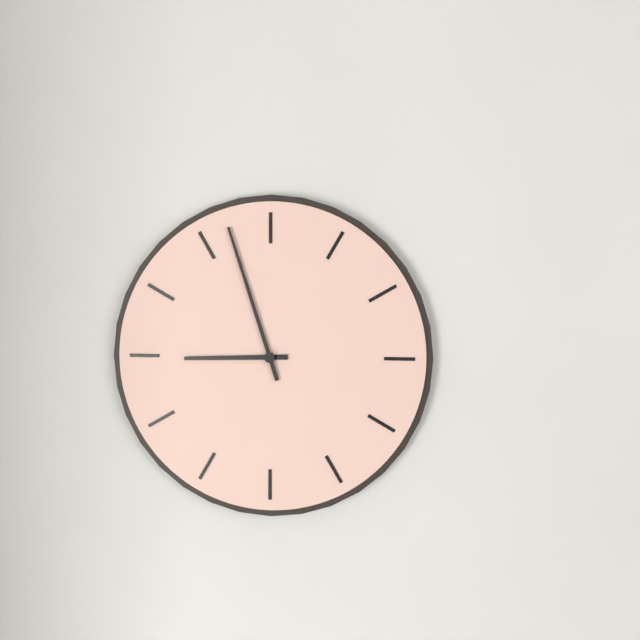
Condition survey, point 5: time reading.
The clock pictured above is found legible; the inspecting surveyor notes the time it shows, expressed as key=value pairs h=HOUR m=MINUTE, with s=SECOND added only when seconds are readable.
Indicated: h=8 m=57
